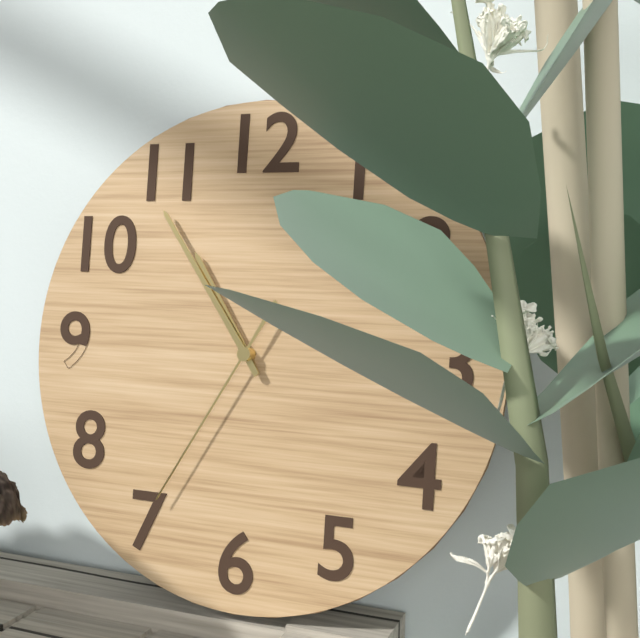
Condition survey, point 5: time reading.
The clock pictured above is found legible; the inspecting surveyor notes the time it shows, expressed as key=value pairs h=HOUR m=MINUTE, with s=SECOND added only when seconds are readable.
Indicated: h=10 m=54 s=35
